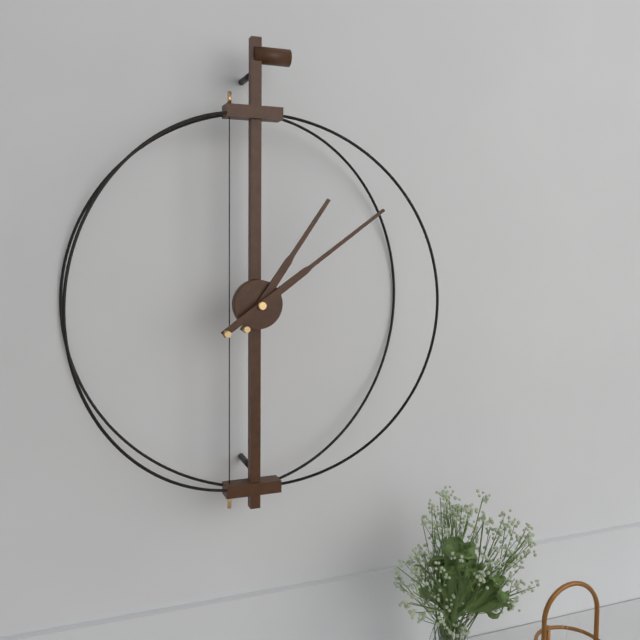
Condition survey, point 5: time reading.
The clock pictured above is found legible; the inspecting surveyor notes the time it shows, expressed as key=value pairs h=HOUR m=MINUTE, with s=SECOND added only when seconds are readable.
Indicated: h=1 m=9
